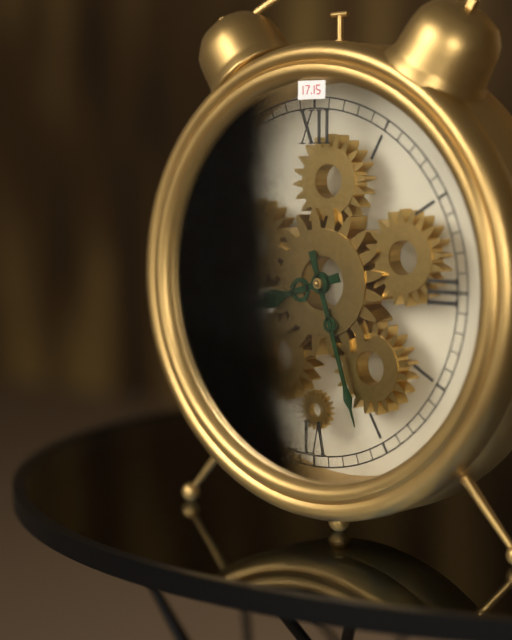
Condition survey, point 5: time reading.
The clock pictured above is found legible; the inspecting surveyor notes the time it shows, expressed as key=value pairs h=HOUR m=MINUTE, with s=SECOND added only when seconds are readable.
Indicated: h=8 m=27
